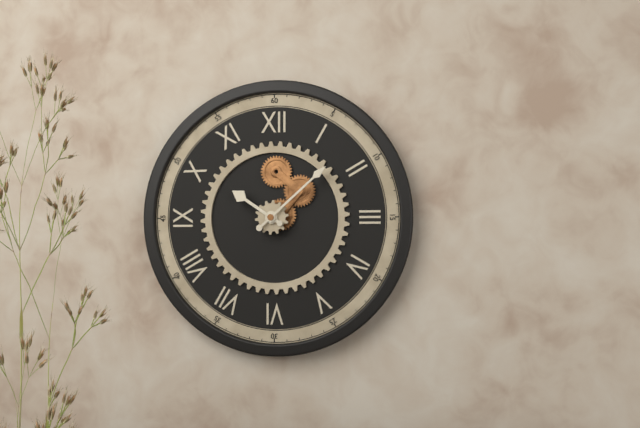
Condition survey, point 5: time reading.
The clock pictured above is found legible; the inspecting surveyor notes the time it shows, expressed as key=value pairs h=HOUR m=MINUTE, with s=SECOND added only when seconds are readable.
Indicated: h=10 m=8
